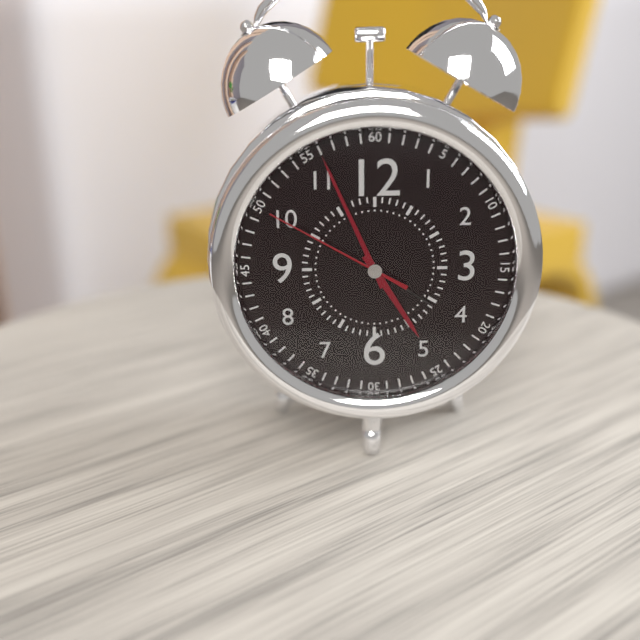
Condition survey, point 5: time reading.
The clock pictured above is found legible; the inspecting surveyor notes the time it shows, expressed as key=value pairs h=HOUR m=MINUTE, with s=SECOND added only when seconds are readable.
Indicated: h=4 m=56 s=50
